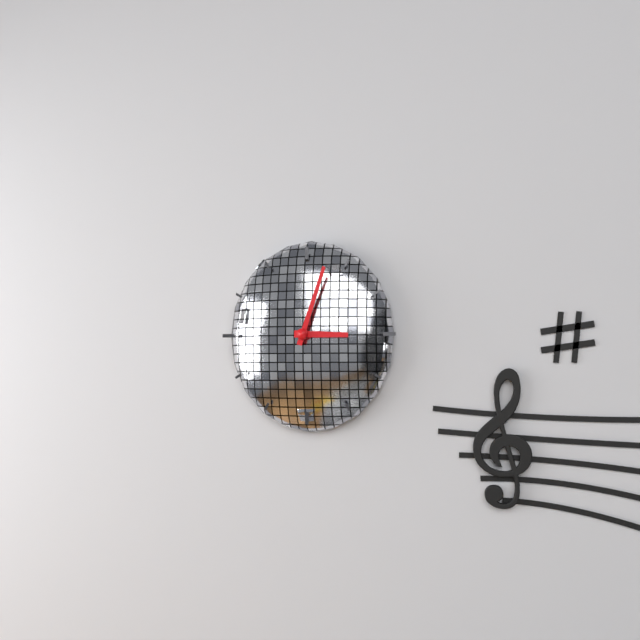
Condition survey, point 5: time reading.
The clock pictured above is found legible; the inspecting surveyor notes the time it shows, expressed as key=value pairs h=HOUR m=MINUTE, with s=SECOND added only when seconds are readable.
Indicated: h=3 m=3
